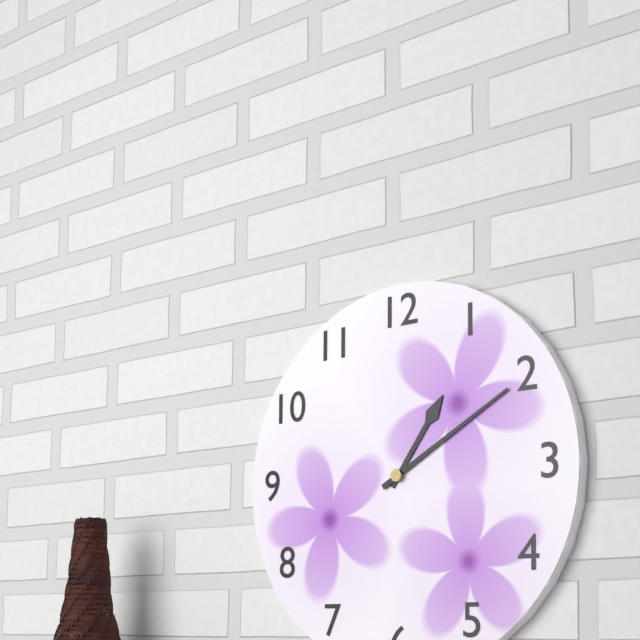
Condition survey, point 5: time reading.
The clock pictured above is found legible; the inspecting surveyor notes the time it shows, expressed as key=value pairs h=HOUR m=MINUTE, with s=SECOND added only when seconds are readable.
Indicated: h=1 m=10
